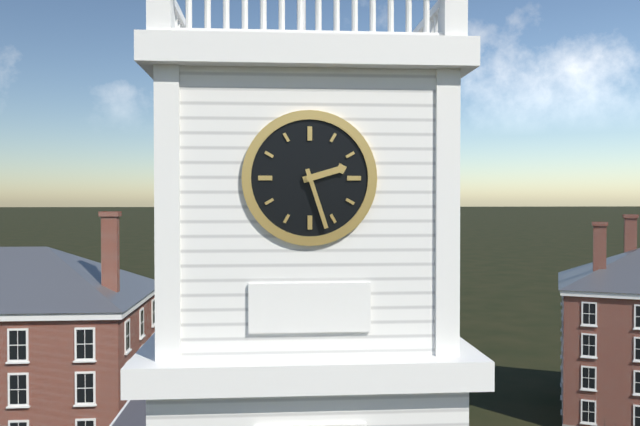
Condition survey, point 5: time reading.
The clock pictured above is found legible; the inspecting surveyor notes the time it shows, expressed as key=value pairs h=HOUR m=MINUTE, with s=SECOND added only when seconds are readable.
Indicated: h=2 m=27
